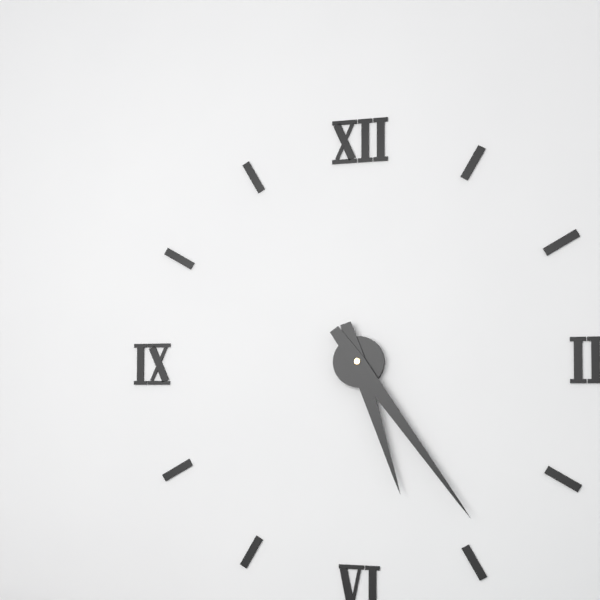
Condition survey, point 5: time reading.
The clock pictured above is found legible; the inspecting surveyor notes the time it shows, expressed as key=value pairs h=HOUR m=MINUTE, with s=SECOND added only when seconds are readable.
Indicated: h=5 m=24
